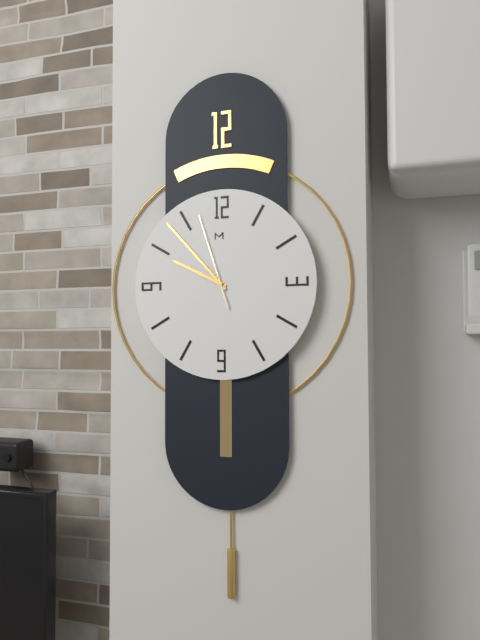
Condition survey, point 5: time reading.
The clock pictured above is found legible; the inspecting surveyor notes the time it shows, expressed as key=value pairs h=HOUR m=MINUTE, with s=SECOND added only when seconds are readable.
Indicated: h=9 m=53 s=57
